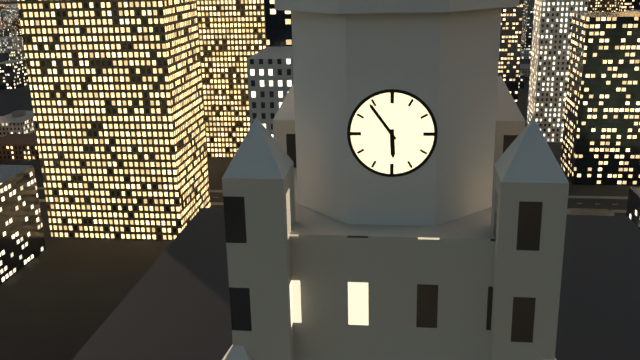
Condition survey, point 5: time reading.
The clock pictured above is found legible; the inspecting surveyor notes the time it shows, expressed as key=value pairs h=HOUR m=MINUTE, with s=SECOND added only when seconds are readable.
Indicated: h=5 m=54
